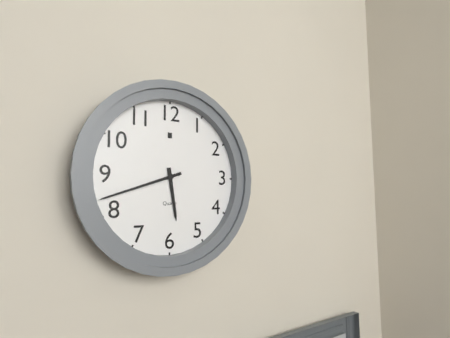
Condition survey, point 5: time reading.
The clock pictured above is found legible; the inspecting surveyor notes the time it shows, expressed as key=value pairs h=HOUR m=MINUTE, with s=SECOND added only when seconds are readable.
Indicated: h=5 m=42
